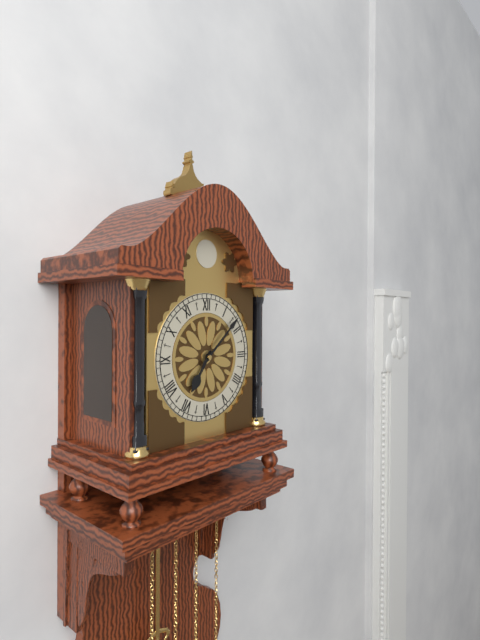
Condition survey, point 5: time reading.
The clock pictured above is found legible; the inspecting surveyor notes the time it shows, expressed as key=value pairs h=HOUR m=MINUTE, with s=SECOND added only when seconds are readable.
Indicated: h=7 m=8
